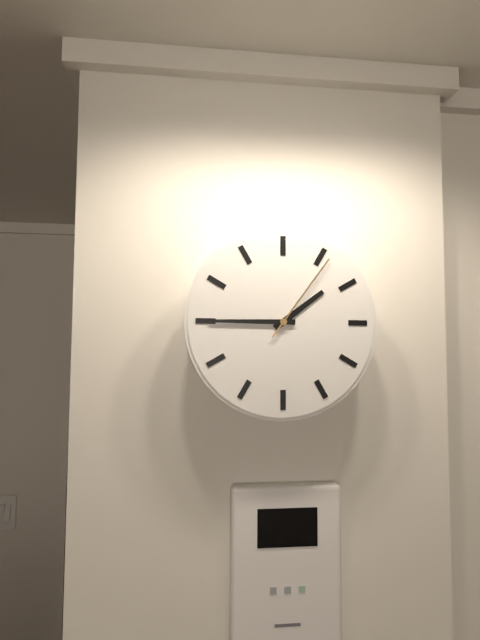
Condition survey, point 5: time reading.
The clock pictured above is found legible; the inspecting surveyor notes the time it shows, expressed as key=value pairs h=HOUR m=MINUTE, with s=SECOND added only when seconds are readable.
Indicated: h=1 m=45 s=6
